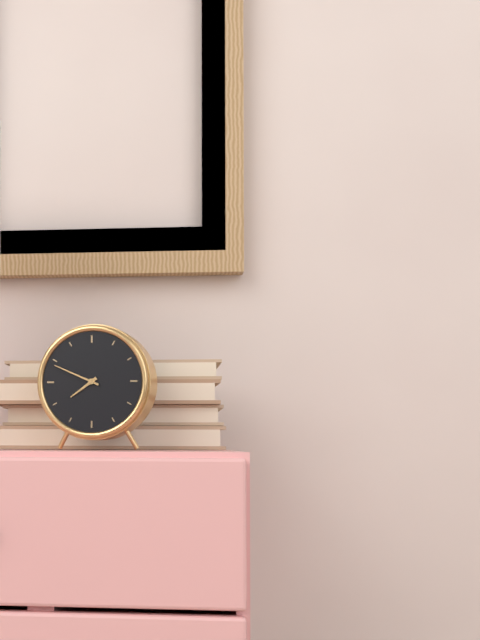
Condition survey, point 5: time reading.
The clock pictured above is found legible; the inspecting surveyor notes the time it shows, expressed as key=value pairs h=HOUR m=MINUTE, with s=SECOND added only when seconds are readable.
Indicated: h=7 m=49
